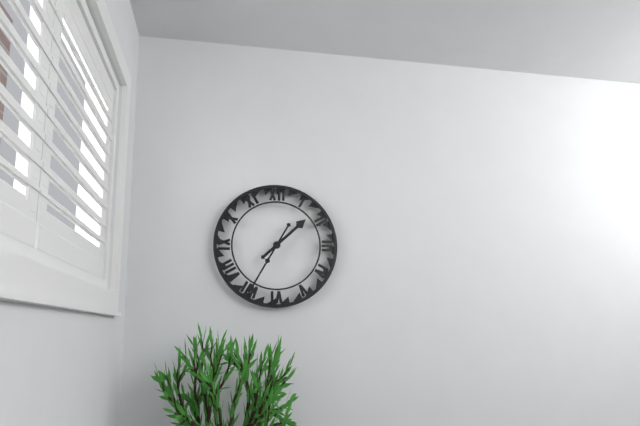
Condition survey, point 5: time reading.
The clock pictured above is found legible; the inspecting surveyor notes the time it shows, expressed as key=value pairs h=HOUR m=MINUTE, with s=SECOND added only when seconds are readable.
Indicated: h=1 m=35
